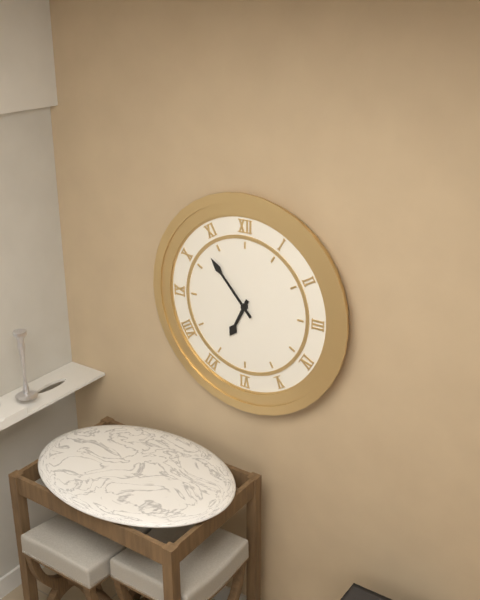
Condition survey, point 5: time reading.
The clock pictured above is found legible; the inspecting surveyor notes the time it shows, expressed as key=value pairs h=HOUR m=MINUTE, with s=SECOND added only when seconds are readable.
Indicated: h=6 m=53
